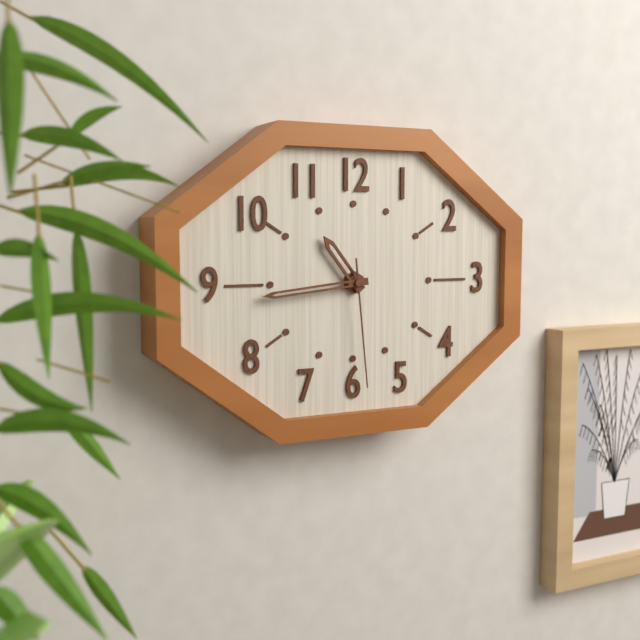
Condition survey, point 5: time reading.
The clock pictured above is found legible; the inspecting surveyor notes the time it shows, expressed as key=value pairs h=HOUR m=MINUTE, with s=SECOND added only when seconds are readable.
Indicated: h=10 m=44 s=29
